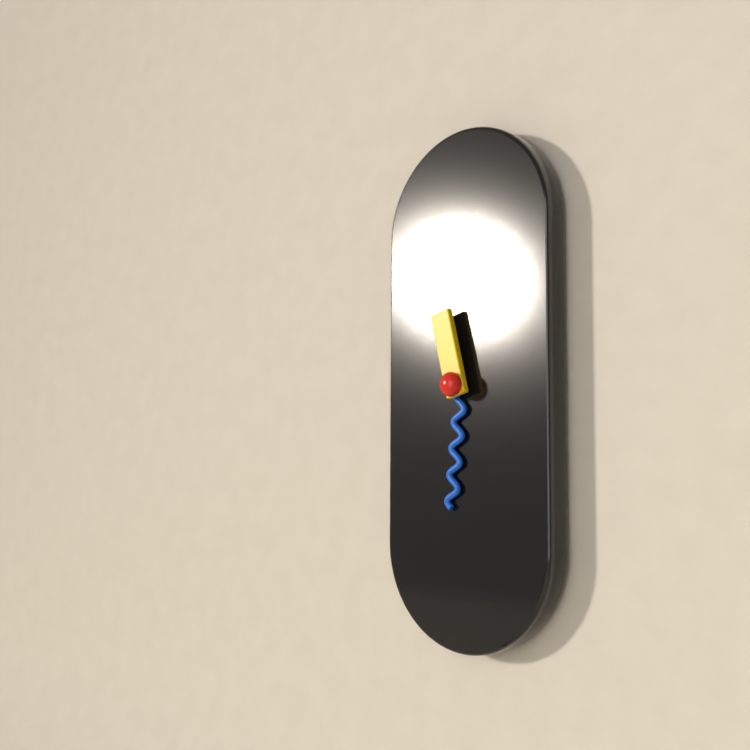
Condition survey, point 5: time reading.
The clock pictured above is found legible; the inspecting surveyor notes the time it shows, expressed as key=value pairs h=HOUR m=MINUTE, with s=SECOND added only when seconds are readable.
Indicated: h=11 m=31
